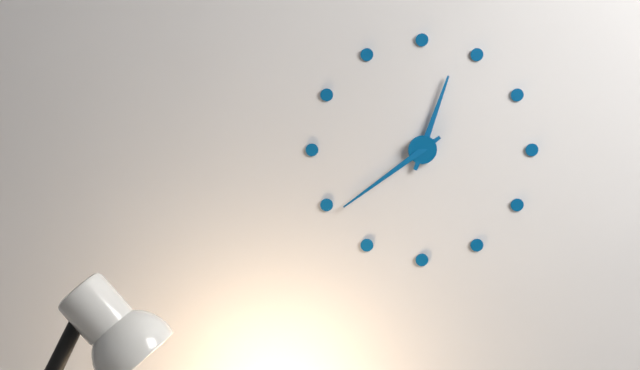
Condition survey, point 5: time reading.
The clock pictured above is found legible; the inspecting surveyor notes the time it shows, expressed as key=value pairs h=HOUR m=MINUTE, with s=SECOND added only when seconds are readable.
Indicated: h=12 m=39
